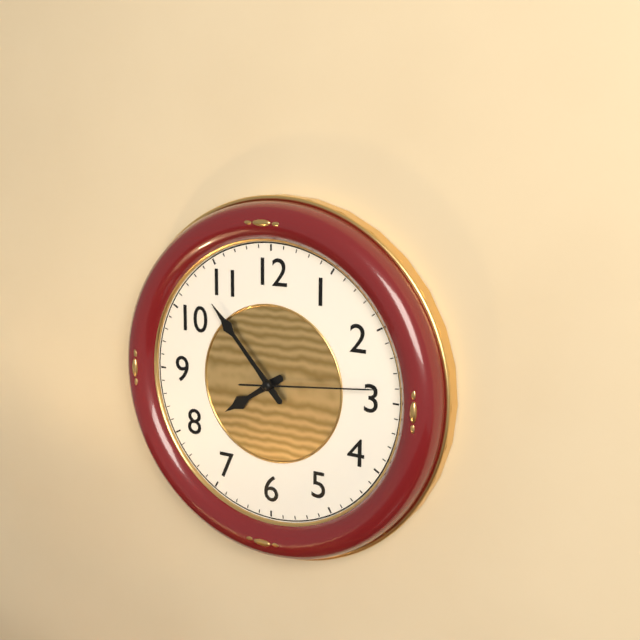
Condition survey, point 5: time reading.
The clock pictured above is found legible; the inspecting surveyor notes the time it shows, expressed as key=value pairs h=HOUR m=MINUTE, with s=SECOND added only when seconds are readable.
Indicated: h=7 m=53 s=14
